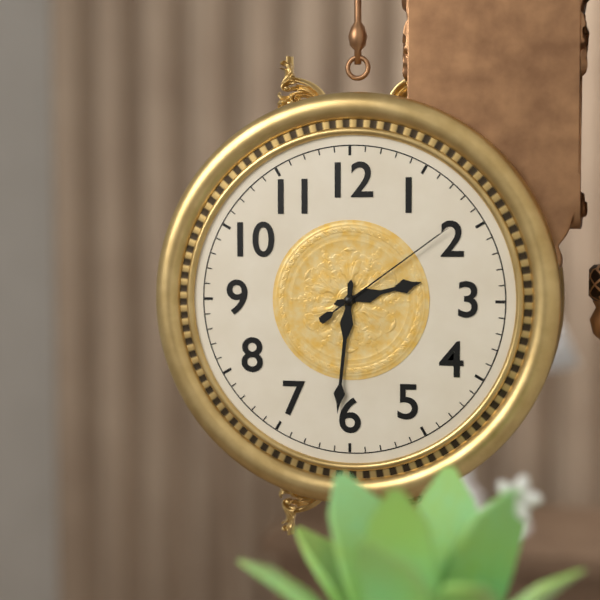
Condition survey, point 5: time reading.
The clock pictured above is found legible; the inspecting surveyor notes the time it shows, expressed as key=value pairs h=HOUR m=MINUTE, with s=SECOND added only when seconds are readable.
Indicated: h=2 m=31 s=9
